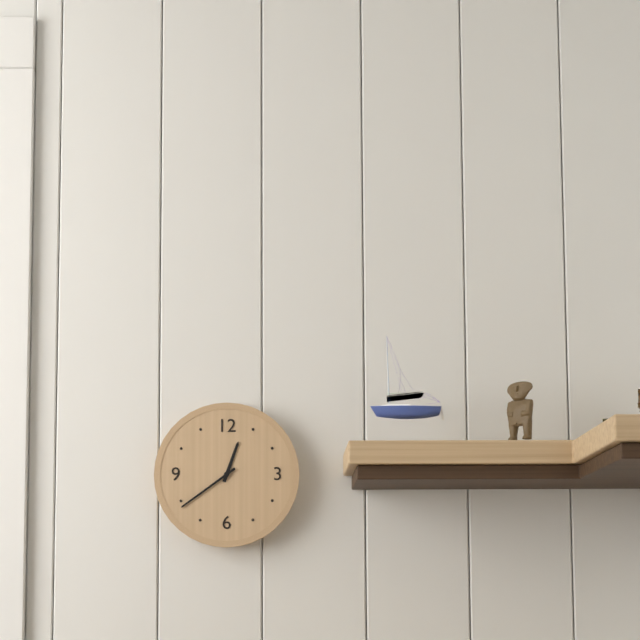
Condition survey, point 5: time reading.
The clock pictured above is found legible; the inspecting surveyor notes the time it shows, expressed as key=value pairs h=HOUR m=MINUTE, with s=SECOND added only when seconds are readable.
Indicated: h=12 m=39
